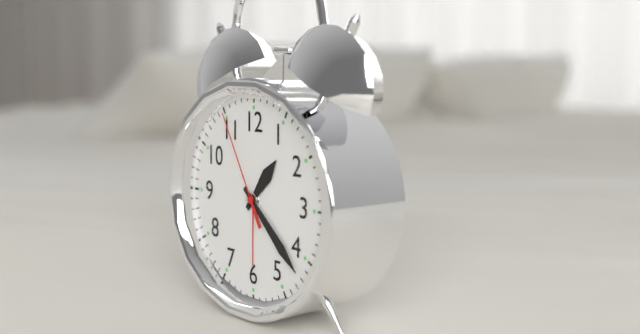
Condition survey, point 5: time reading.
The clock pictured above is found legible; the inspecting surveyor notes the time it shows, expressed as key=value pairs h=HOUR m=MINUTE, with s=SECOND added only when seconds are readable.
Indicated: h=1 m=22 s=55
